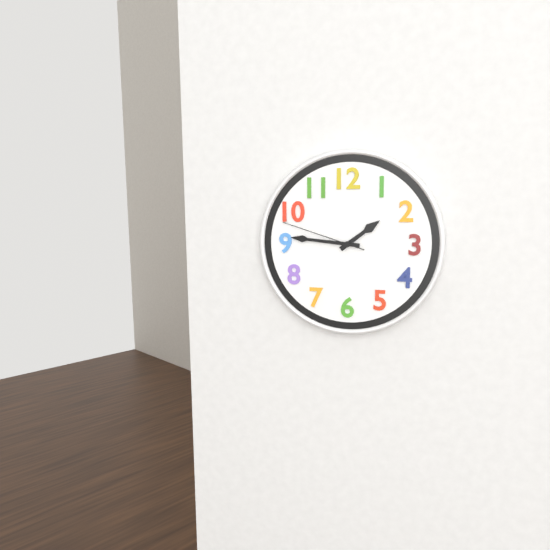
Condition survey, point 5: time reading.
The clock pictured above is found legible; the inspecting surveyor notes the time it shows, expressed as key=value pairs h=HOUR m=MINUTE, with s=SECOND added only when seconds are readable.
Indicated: h=1 m=46 s=48
